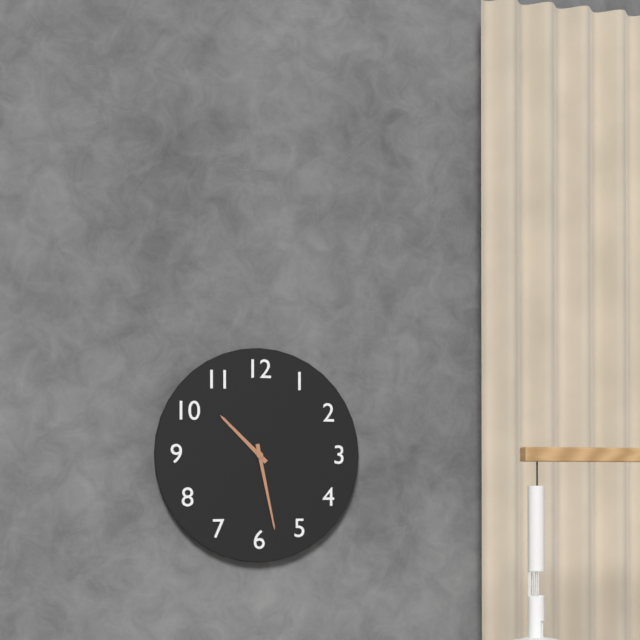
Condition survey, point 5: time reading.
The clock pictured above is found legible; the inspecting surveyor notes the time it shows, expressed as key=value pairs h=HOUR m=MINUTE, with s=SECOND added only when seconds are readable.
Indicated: h=10 m=28
